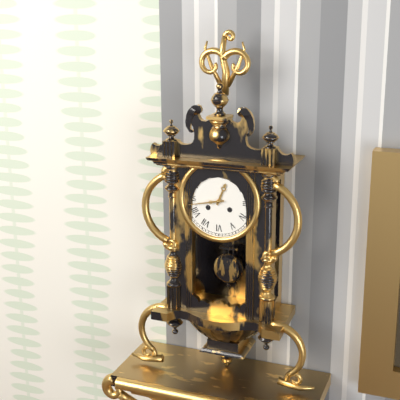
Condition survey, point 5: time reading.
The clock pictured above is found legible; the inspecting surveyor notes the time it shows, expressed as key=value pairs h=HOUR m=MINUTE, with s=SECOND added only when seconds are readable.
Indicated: h=12 m=43
